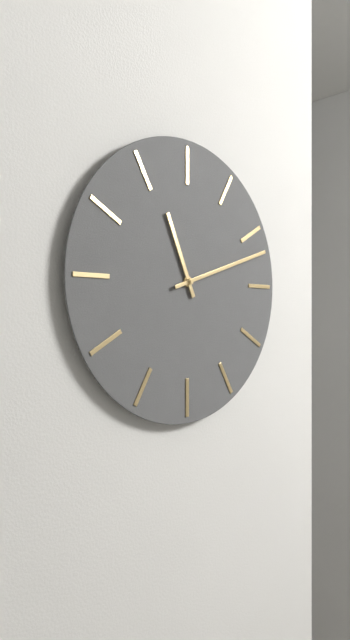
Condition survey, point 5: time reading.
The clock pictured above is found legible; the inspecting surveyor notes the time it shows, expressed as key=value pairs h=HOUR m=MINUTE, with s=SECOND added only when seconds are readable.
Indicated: h=11 m=12
